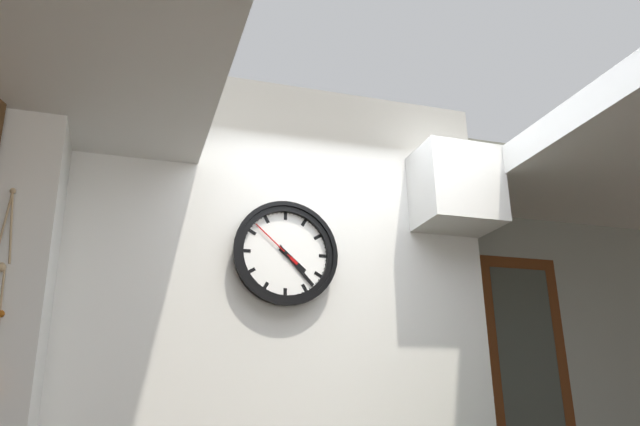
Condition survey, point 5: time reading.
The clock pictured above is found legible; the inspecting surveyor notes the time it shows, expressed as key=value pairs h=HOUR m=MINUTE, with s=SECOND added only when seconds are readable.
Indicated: h=4 m=23 s=52
